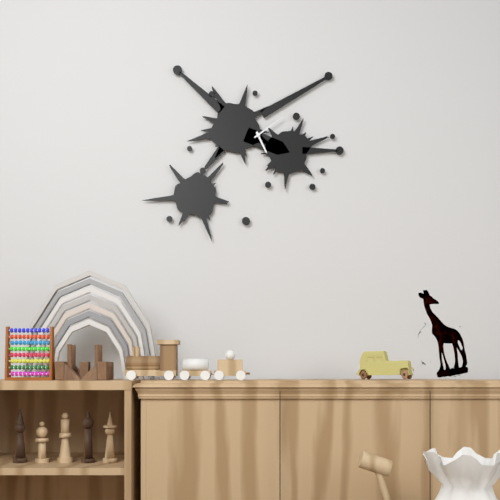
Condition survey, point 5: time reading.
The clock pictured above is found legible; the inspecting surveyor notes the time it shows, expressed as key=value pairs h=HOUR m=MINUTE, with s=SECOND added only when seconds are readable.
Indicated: h=5 m=9
